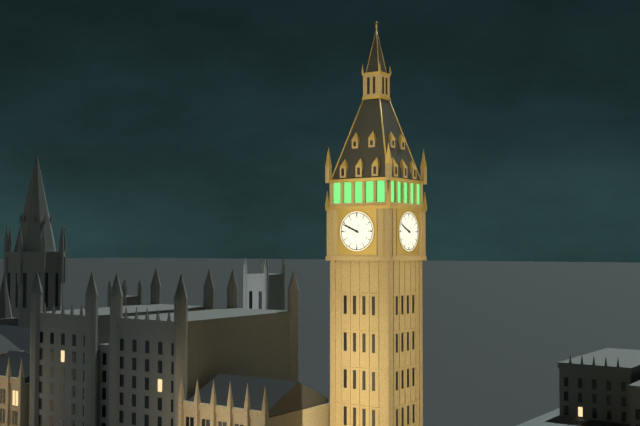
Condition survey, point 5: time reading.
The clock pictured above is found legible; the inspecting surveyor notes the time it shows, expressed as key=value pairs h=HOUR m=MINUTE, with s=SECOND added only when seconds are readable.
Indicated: h=9 m=49
